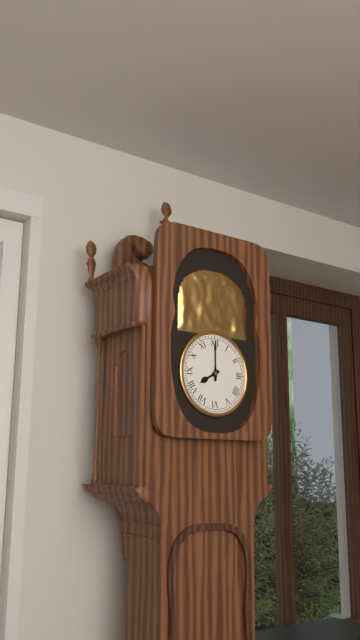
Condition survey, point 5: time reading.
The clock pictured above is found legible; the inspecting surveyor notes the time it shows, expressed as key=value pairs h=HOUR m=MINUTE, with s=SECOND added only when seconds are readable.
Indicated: h=8 m=0
